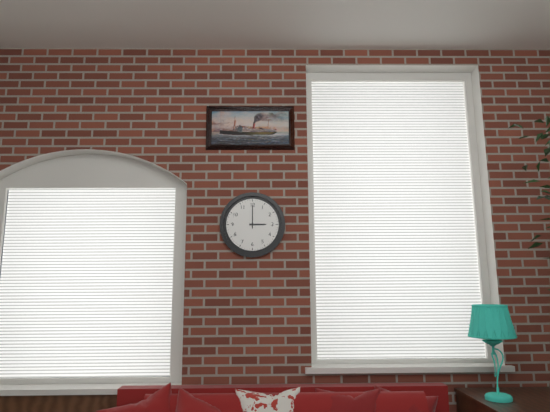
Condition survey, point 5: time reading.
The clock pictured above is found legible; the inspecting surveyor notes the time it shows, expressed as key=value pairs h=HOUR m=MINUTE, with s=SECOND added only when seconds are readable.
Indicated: h=3 m=0
